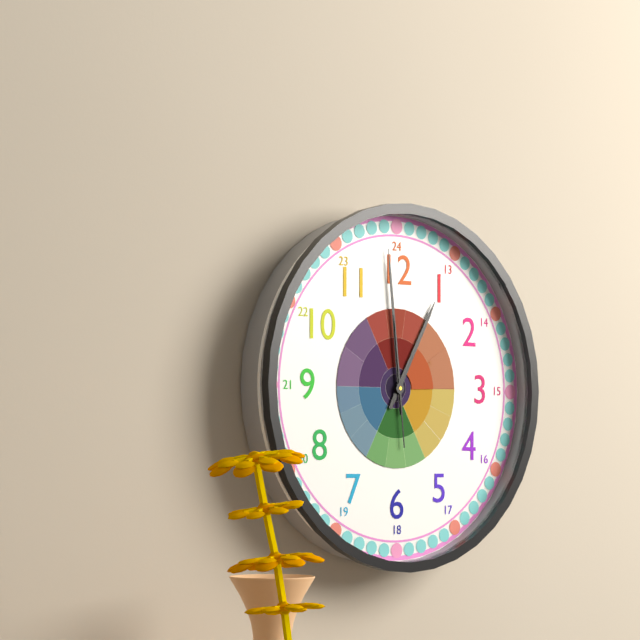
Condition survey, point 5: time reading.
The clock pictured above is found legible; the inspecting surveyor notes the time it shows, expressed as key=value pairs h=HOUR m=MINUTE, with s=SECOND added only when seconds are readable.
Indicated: h=12 m=59 s=59
